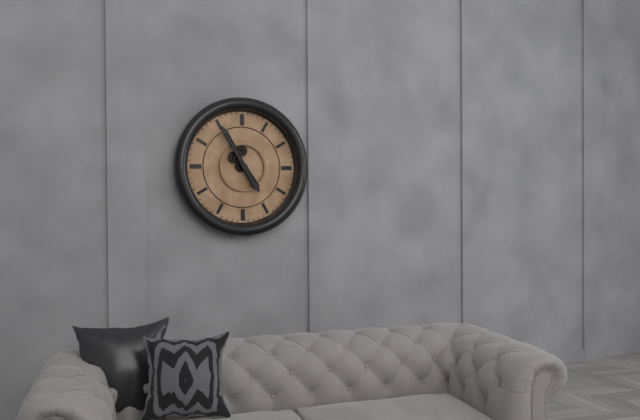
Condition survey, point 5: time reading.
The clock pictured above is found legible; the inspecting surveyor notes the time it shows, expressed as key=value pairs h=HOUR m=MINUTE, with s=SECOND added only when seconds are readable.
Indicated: h=4 m=55
